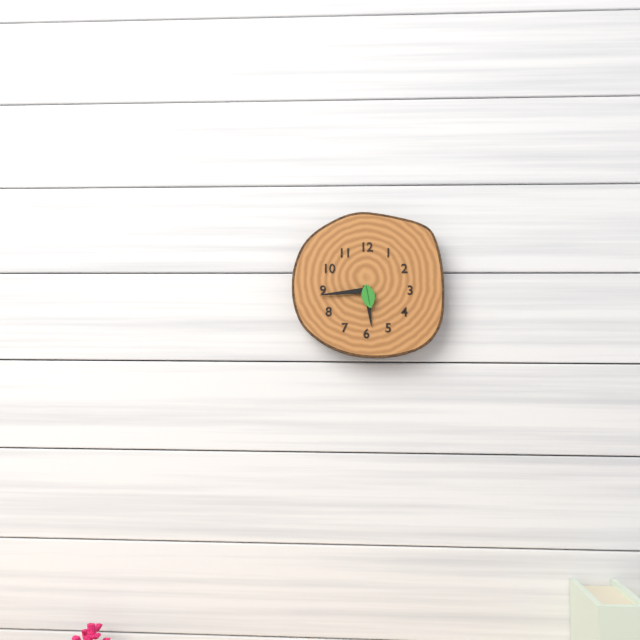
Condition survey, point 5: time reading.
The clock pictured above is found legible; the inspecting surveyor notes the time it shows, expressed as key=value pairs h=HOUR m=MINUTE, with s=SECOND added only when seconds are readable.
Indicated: h=5 m=44
